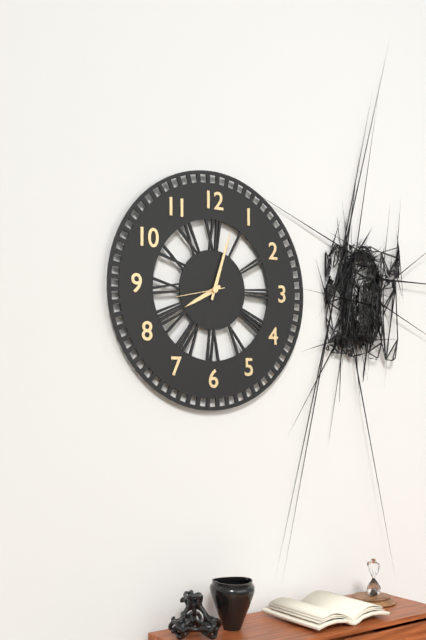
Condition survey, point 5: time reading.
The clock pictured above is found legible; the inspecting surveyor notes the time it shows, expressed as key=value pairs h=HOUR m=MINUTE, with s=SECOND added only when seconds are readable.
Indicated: h=8 m=3 s=43
